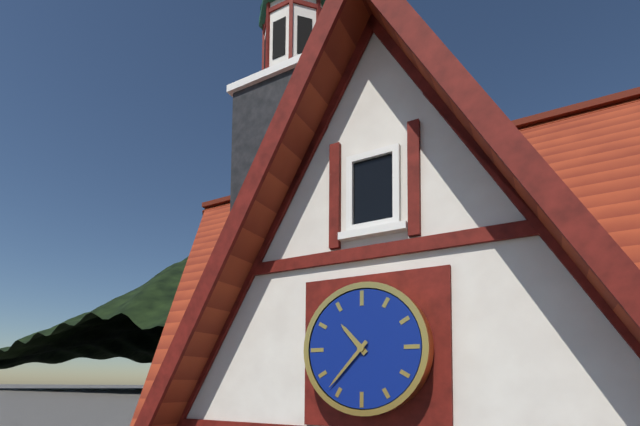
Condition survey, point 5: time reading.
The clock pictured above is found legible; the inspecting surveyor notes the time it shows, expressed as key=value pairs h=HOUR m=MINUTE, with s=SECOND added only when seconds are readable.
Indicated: h=10 m=37
